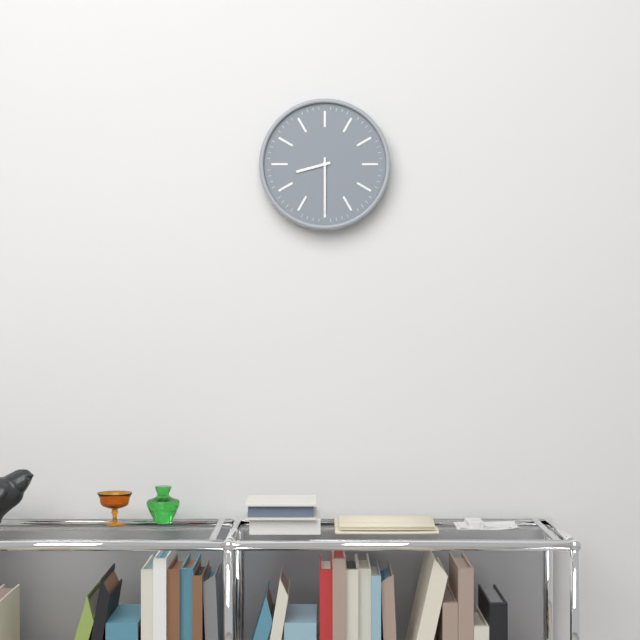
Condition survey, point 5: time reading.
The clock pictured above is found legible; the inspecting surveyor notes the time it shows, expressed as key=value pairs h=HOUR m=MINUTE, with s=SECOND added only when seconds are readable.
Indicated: h=8 m=30
